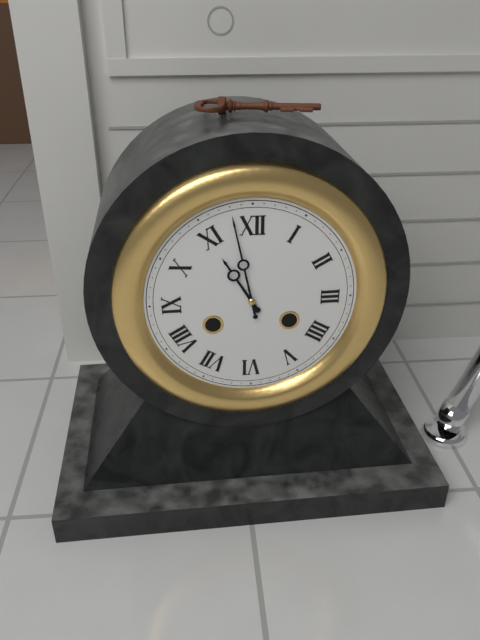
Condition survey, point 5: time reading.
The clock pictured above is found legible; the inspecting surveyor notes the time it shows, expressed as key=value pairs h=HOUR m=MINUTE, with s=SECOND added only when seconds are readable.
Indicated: h=10 m=58
